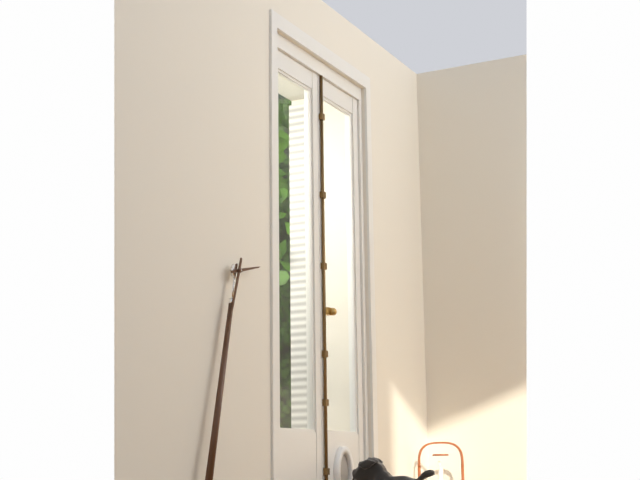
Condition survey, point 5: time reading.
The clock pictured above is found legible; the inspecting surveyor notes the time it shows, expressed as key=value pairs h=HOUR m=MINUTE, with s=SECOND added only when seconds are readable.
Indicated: h=2 m=33
